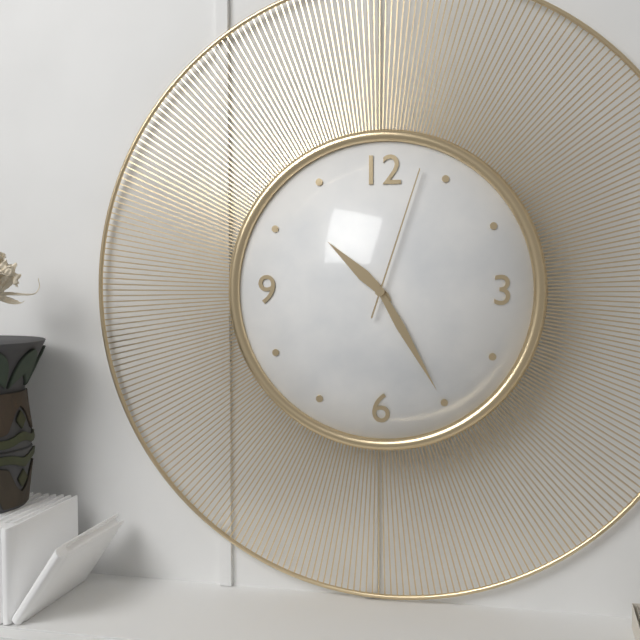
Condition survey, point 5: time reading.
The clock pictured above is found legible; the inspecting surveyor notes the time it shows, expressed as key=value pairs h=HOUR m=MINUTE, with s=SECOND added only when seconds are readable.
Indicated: h=10 m=25 s=3
